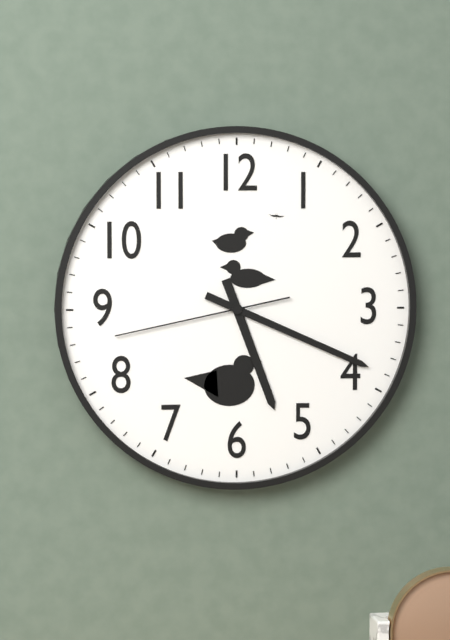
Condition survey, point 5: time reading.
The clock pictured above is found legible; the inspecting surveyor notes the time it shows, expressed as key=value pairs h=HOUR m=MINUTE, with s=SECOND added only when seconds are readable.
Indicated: h=5 m=19 s=43
